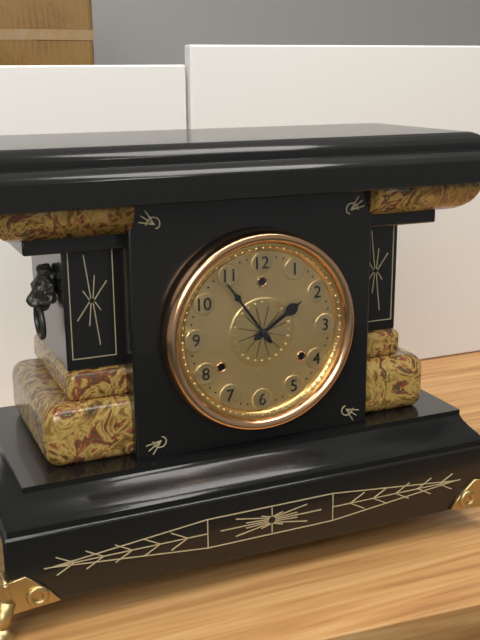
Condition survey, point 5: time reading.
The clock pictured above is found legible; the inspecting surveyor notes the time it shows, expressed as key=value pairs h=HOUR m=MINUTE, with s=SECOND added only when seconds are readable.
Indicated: h=1 m=54
